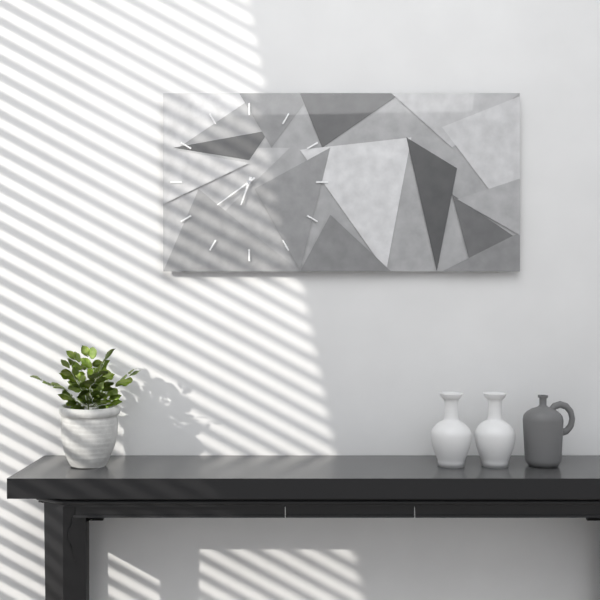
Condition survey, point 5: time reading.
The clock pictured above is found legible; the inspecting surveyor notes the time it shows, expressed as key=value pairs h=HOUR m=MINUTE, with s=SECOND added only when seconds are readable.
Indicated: h=6 m=39
